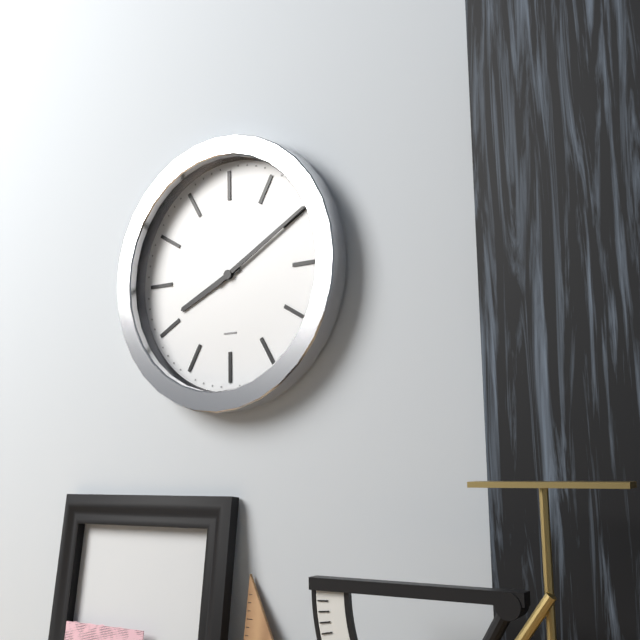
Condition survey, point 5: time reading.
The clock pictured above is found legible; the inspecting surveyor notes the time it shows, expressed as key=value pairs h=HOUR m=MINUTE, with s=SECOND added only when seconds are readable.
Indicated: h=8 m=10
